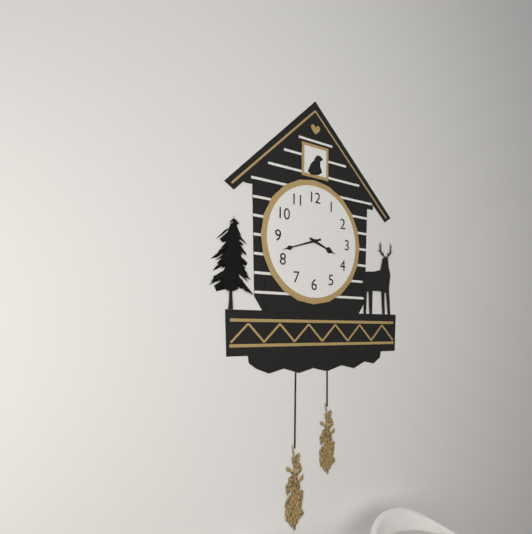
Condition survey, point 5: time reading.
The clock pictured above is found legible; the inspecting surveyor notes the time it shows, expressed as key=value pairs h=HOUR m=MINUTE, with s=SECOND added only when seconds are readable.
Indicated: h=3 m=42
